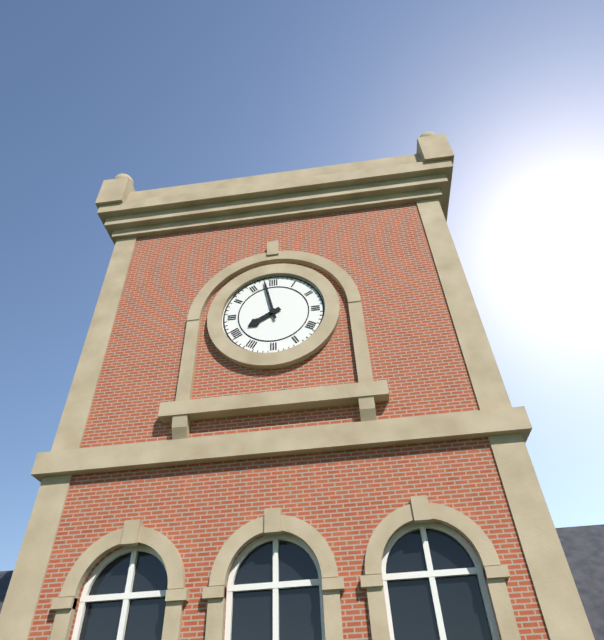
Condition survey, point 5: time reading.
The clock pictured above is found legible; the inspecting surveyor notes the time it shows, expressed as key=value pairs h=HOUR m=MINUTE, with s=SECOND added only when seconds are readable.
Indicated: h=7 m=58
